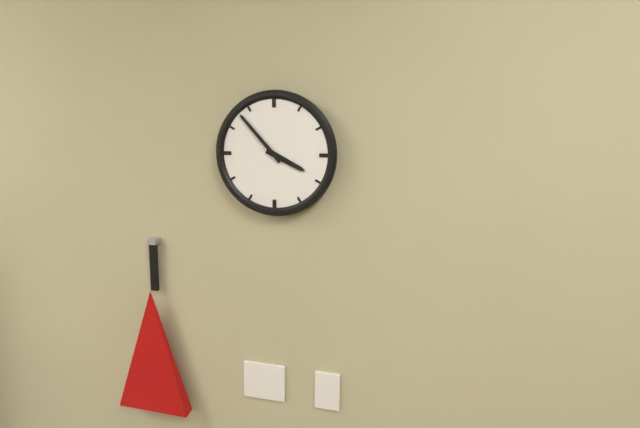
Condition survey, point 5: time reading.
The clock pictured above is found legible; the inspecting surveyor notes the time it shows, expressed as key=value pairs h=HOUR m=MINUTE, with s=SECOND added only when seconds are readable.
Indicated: h=3 m=53
